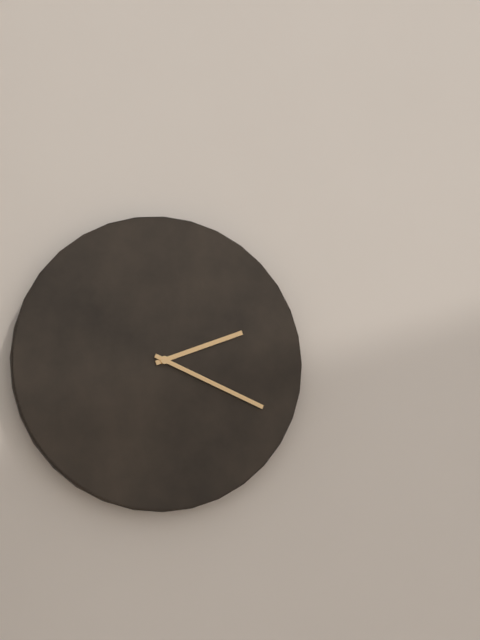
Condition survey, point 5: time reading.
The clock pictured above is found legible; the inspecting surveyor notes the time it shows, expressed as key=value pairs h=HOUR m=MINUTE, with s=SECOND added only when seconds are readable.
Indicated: h=2 m=19
